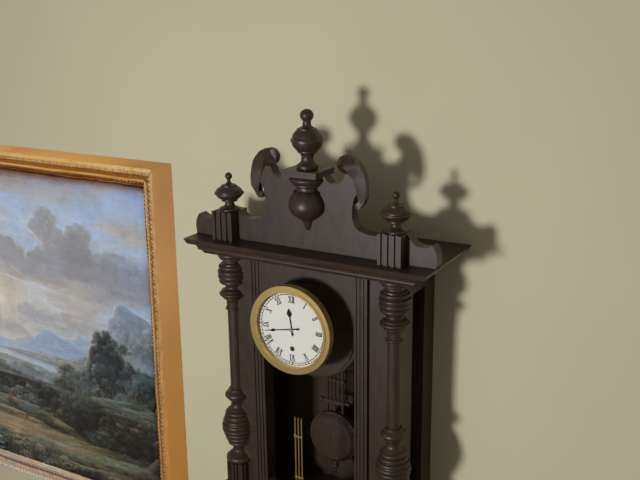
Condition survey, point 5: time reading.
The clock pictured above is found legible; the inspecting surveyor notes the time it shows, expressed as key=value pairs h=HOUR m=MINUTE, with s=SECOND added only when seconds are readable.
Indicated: h=11 m=43
